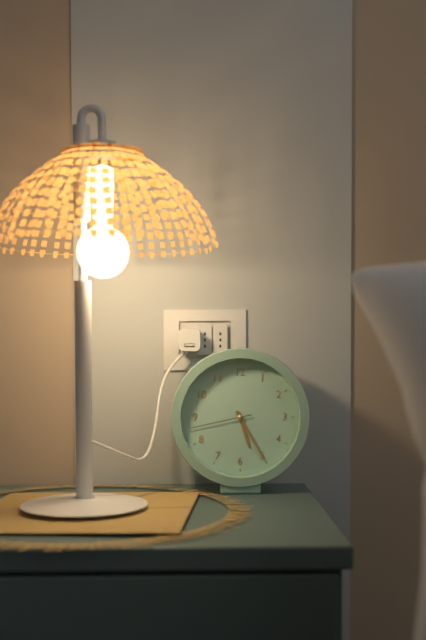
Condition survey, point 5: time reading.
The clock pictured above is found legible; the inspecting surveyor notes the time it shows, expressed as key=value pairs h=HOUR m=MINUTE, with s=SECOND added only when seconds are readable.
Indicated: h=5 m=25 s=43
